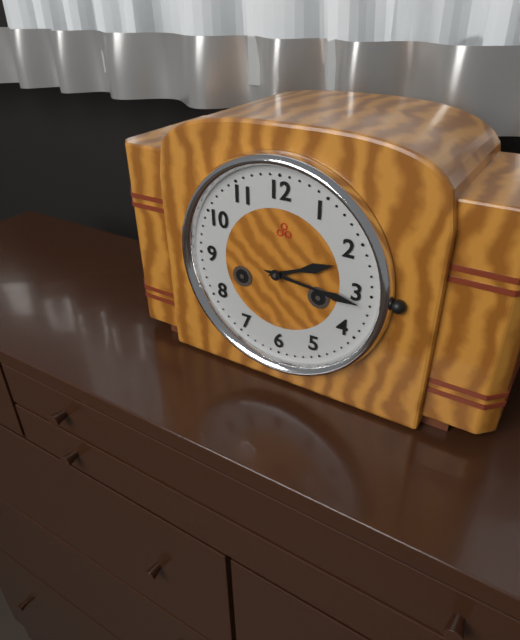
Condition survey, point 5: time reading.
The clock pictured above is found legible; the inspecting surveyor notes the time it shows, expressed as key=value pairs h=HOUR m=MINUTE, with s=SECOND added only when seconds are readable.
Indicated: h=2 m=16
